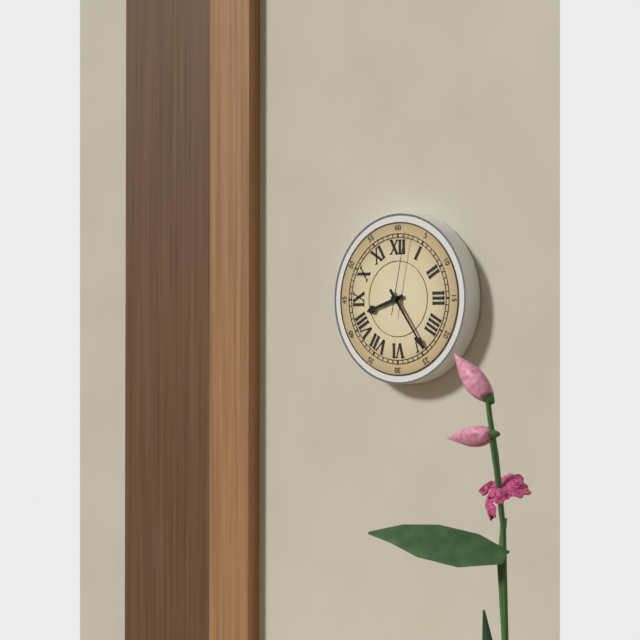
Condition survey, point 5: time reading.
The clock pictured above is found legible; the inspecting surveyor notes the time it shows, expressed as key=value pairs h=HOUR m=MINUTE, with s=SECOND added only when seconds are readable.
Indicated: h=8 m=24 s=2
